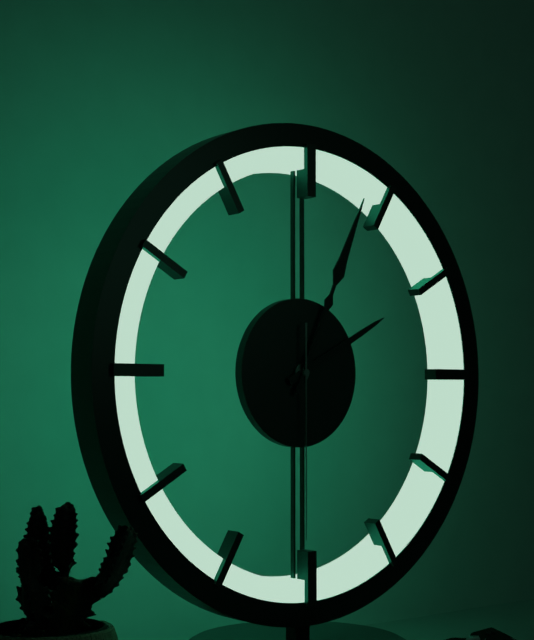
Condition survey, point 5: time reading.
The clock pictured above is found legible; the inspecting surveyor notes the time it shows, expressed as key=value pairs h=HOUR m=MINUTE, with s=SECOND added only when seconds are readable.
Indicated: h=2 m=4 s=30
